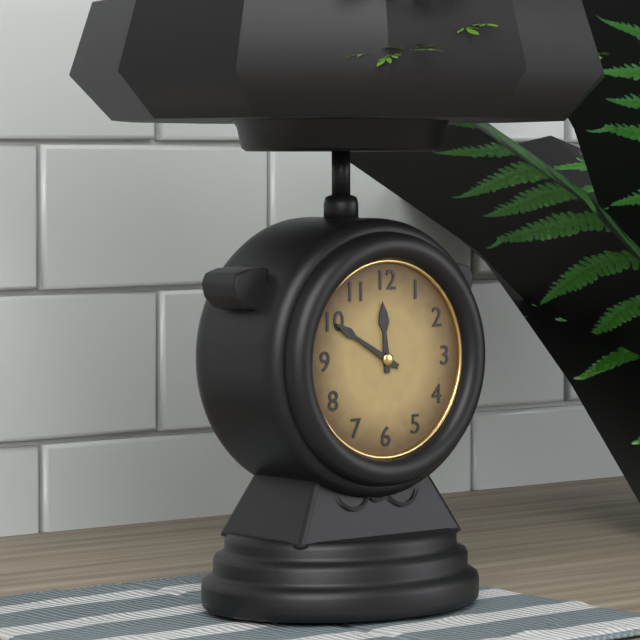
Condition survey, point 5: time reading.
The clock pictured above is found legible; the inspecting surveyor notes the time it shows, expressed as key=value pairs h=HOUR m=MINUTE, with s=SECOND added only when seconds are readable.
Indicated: h=11 m=50
